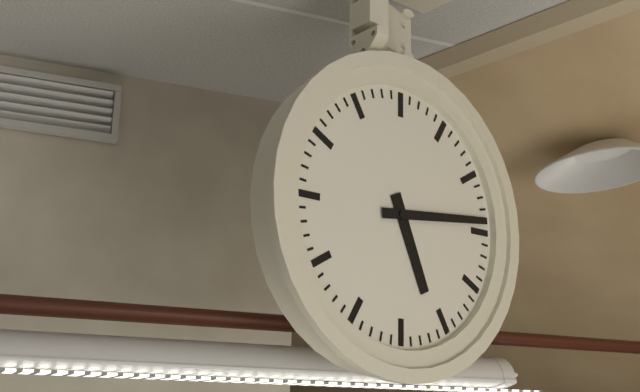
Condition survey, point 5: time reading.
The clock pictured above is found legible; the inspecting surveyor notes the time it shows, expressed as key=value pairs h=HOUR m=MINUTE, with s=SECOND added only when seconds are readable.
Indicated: h=5 m=14
